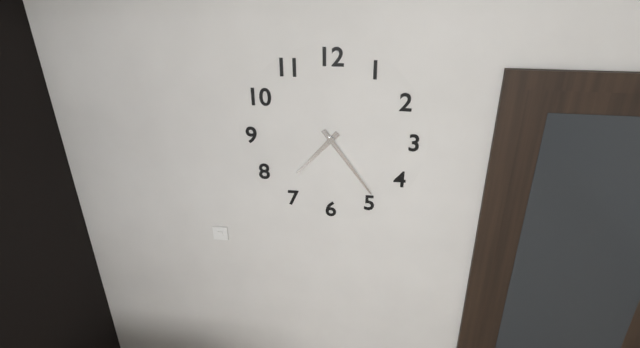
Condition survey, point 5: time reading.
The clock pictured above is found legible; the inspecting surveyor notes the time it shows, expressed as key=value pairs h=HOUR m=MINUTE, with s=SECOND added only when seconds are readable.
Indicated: h=7 m=24
